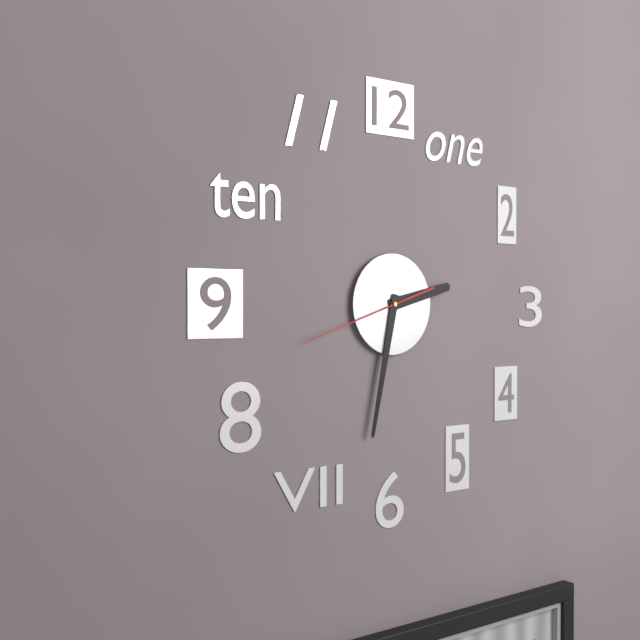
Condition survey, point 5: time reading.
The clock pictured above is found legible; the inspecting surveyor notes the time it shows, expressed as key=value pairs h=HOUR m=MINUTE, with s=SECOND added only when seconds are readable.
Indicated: h=2 m=32 s=42
